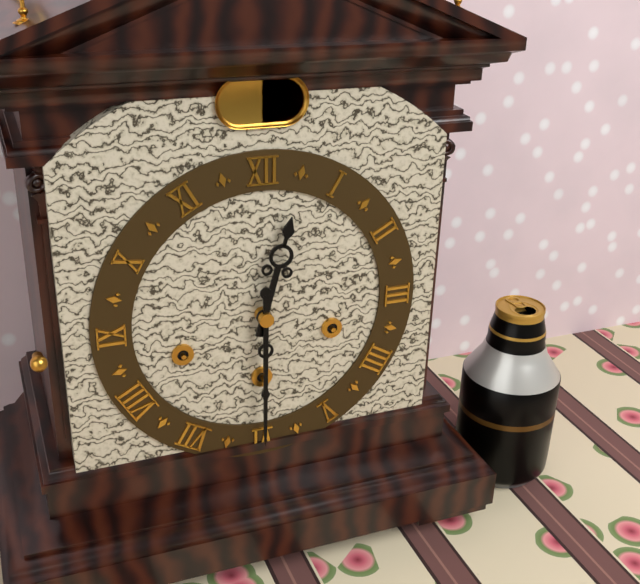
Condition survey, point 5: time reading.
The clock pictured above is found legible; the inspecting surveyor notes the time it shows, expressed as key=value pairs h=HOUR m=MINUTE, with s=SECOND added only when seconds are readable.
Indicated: h=12 m=30
